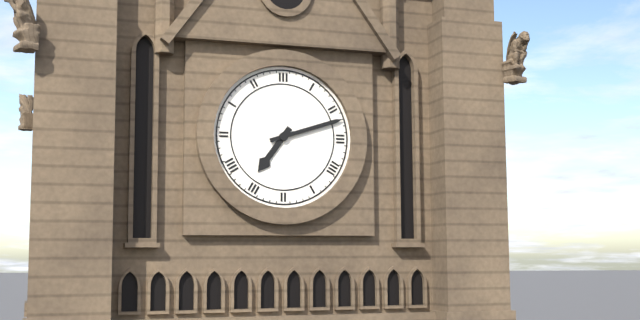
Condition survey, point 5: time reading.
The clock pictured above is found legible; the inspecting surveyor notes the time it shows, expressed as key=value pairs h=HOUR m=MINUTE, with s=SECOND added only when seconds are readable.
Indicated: h=7 m=12
